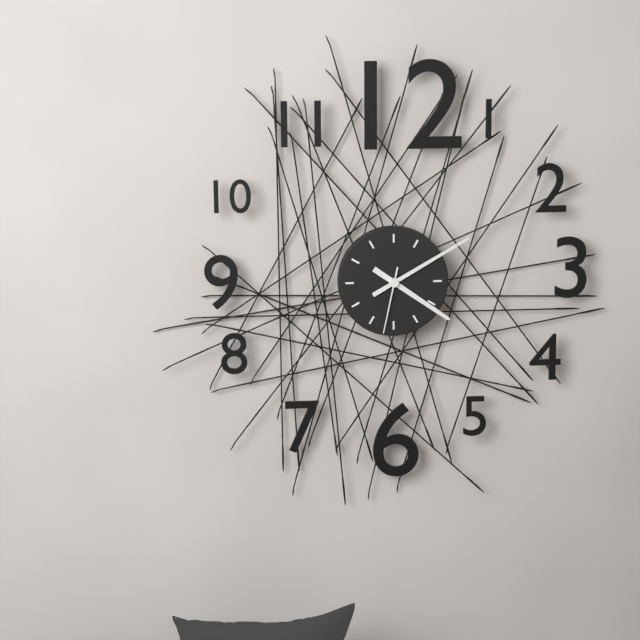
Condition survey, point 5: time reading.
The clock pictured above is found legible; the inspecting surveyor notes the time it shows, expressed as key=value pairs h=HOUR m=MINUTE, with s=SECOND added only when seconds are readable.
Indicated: h=4 m=10 s=32
